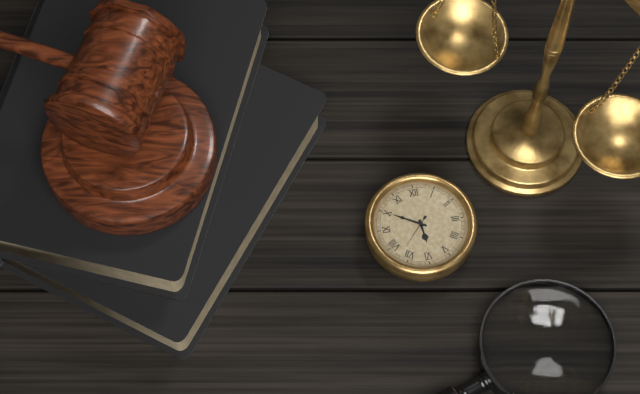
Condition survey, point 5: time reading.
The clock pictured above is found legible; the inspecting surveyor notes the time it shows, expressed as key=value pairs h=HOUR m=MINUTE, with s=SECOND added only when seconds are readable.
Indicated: h=5 m=50
